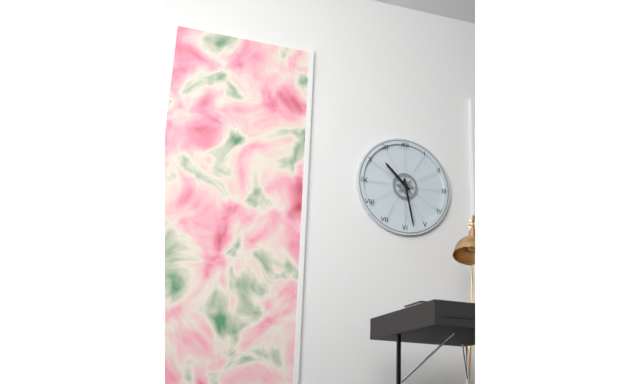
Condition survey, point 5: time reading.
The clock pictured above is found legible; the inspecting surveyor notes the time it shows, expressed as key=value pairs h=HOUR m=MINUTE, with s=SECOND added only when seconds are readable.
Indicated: h=10 m=28
